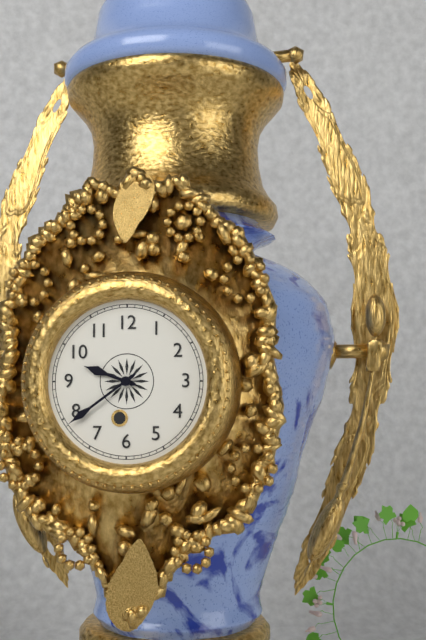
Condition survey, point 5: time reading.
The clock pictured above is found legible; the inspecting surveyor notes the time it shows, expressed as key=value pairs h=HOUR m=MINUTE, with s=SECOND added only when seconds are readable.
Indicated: h=9 m=39
